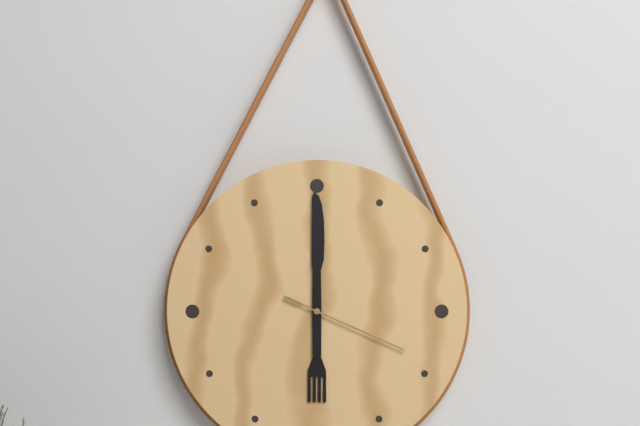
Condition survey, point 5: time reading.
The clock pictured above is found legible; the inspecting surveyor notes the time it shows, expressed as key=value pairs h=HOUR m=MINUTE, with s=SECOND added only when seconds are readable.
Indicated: h=6 m=0 s=19
